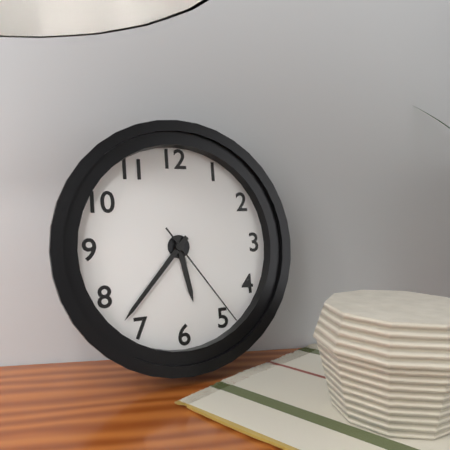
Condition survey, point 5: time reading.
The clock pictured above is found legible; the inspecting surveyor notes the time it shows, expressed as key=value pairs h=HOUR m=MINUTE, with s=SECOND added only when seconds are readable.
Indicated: h=5 m=37 s=24
